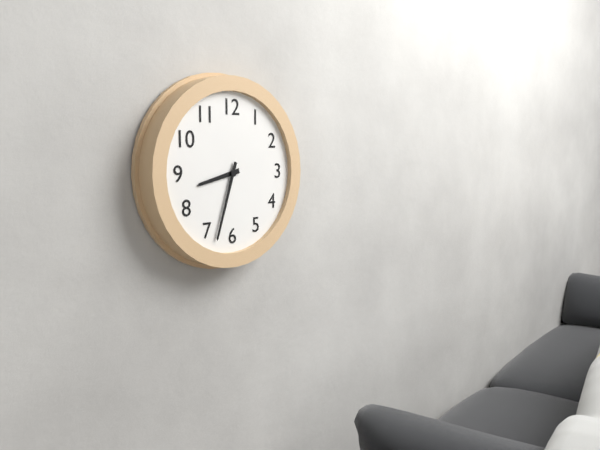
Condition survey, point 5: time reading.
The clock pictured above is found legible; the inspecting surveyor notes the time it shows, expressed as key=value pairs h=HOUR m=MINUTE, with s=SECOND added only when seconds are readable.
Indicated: h=8 m=33
